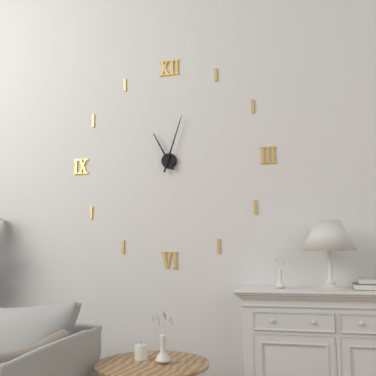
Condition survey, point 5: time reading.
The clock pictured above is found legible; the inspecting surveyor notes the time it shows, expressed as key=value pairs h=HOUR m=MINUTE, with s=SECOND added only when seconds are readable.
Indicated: h=11 m=3
